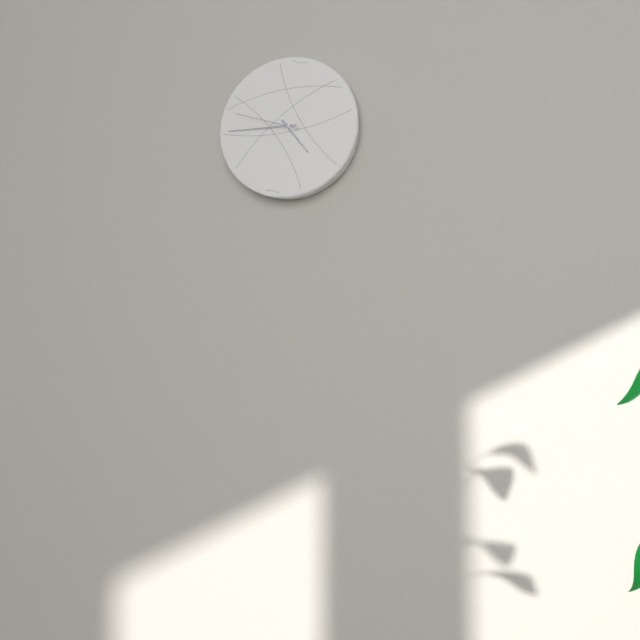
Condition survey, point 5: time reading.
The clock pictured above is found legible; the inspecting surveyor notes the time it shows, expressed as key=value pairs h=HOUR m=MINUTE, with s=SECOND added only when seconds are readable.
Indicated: h=4 m=45 s=48
